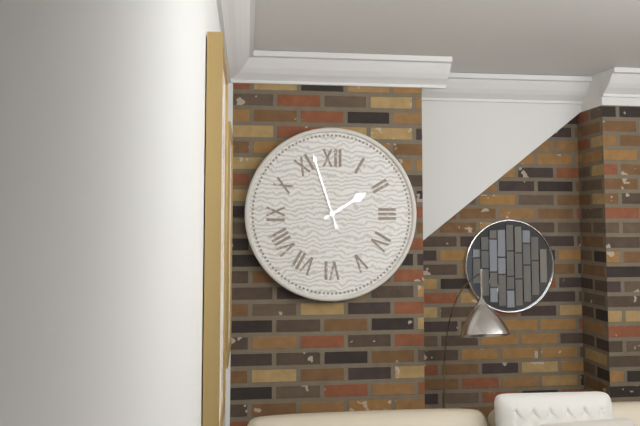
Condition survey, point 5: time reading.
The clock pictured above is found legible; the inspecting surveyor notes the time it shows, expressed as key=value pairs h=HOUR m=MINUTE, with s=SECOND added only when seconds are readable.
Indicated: h=1 m=57
